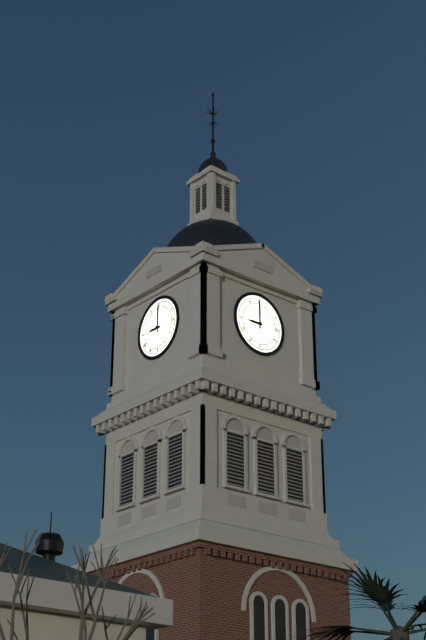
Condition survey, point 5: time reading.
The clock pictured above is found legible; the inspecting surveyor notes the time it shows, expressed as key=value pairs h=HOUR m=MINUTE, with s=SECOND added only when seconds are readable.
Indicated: h=9 m=0
